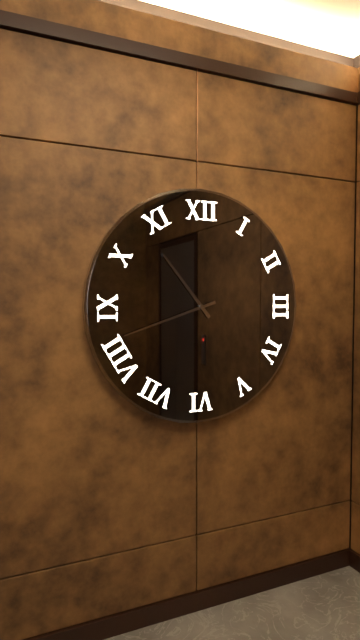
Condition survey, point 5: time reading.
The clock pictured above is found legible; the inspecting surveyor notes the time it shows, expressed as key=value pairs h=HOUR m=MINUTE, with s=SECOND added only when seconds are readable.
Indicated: h=10 m=42
